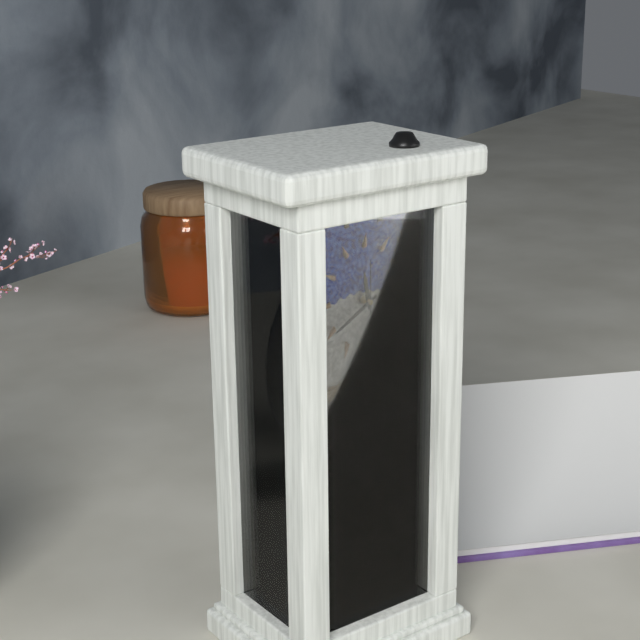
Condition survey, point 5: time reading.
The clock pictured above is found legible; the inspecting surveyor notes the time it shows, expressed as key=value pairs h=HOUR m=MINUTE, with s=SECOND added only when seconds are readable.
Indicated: h=11 m=40 s=0
